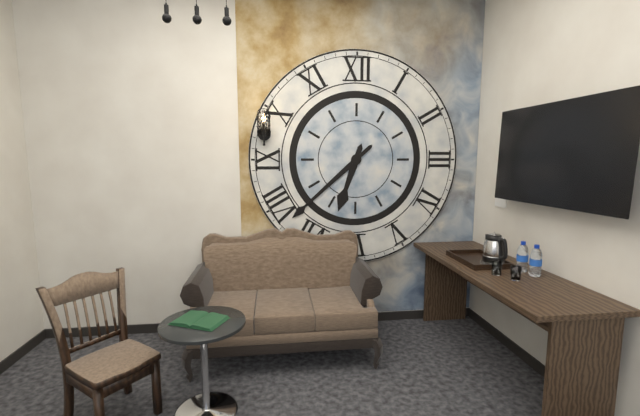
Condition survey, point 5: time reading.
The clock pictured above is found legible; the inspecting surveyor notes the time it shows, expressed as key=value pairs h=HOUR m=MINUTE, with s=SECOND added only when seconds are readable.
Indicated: h=6 m=38
